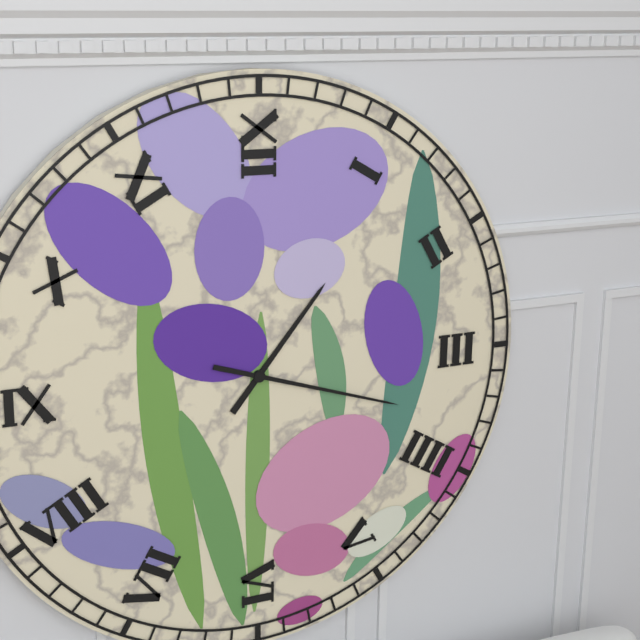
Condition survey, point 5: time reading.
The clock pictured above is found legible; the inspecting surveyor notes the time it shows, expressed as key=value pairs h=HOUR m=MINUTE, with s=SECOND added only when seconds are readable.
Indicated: h=1 m=18
